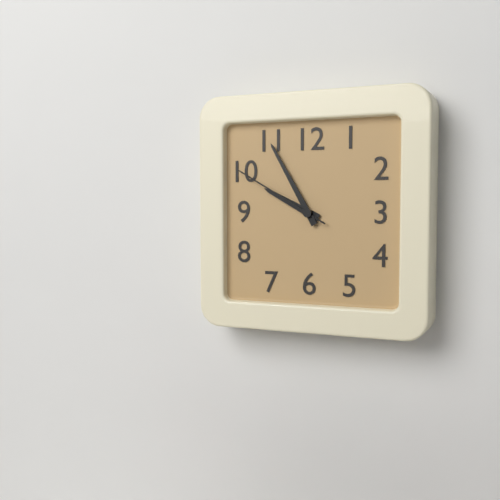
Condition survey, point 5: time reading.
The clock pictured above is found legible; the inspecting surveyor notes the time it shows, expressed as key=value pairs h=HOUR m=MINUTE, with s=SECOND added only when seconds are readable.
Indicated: h=9 m=55 s=50
